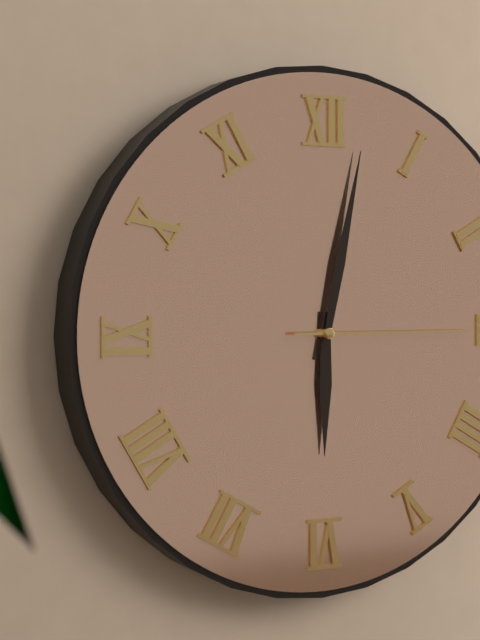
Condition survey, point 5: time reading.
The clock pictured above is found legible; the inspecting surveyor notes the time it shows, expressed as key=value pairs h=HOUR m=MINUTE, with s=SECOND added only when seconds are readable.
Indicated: h=6 m=2 s=15
